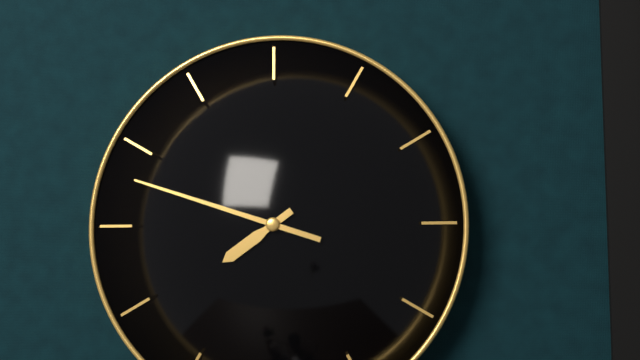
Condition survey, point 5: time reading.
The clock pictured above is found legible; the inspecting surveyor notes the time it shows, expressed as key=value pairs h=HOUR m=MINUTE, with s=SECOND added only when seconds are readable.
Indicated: h=7 m=48
